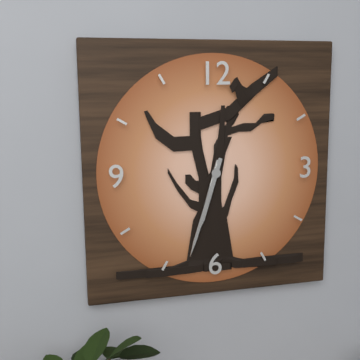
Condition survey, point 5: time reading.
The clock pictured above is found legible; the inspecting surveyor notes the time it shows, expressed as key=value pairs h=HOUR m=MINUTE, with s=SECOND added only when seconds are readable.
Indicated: h=6 m=33
